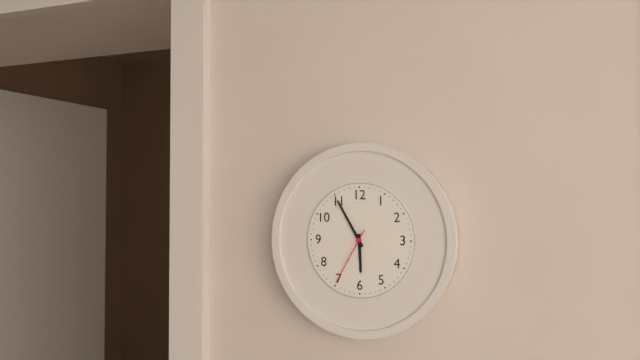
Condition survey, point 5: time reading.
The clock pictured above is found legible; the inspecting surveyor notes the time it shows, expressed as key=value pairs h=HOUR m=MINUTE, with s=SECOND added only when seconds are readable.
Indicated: h=5 m=55 s=35
